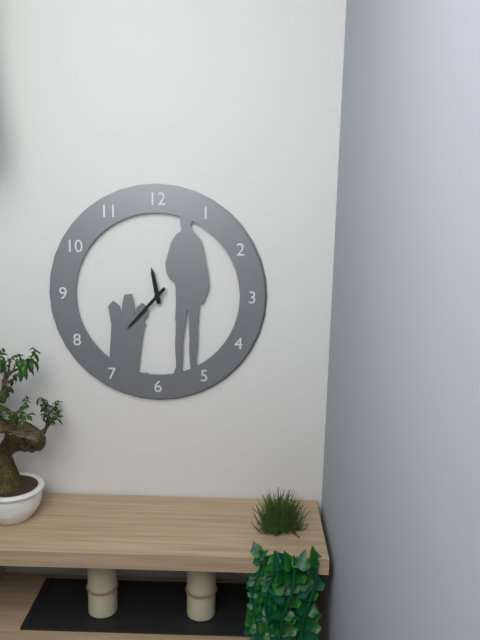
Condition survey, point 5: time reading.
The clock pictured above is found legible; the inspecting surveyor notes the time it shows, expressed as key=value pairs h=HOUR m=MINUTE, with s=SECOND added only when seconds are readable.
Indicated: h=11 m=37
